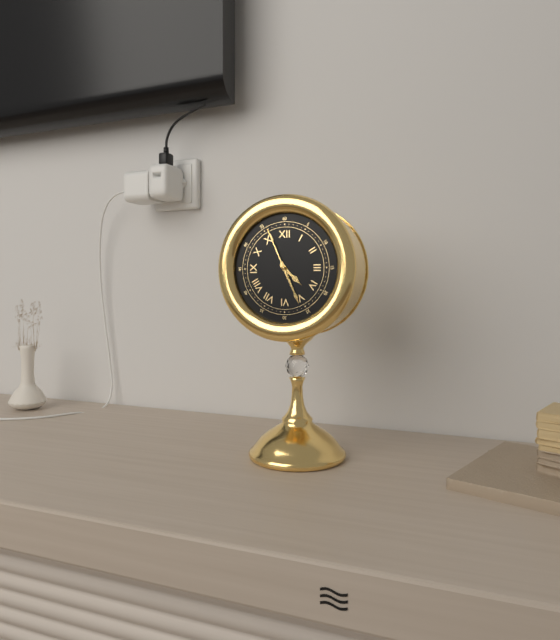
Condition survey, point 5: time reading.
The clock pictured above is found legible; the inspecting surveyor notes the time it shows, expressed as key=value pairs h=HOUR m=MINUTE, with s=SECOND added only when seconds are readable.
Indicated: h=4 m=26 s=56
